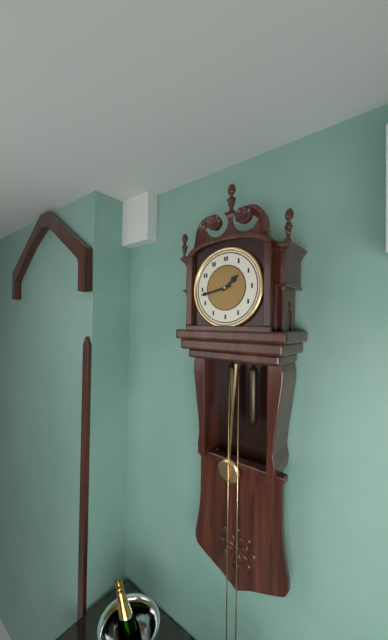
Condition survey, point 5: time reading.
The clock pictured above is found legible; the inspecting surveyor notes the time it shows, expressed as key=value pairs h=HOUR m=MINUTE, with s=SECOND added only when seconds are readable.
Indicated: h=1 m=43
